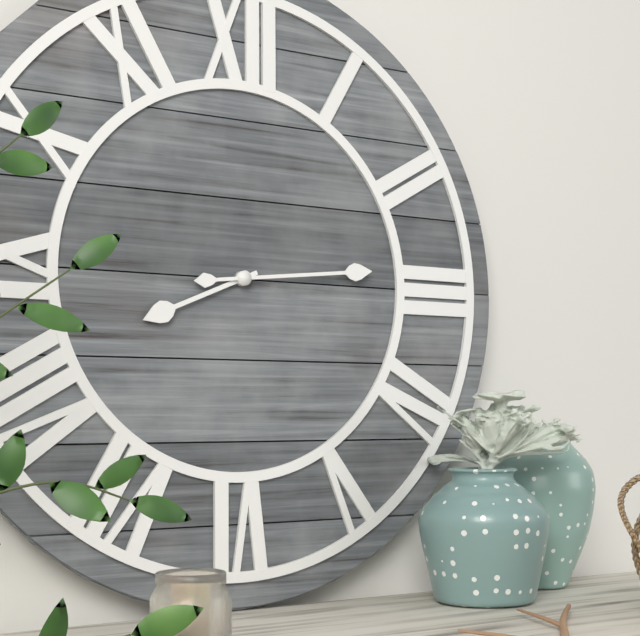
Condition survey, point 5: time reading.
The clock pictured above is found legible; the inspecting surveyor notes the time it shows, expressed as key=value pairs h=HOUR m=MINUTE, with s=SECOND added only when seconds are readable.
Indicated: h=8 m=14
